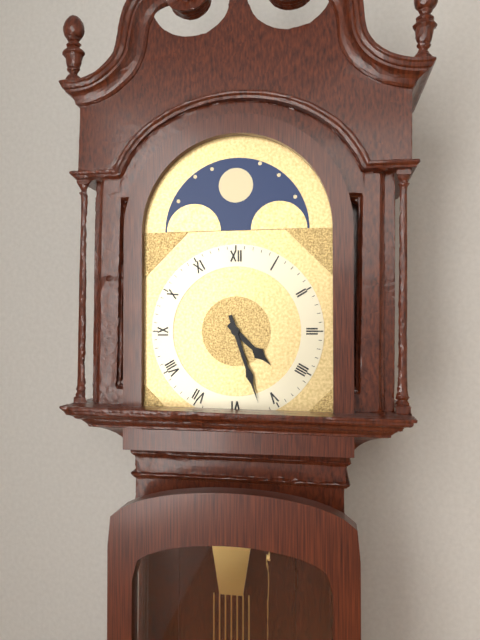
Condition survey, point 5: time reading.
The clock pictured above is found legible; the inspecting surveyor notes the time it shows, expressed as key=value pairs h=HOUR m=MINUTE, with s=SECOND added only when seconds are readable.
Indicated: h=4 m=27
